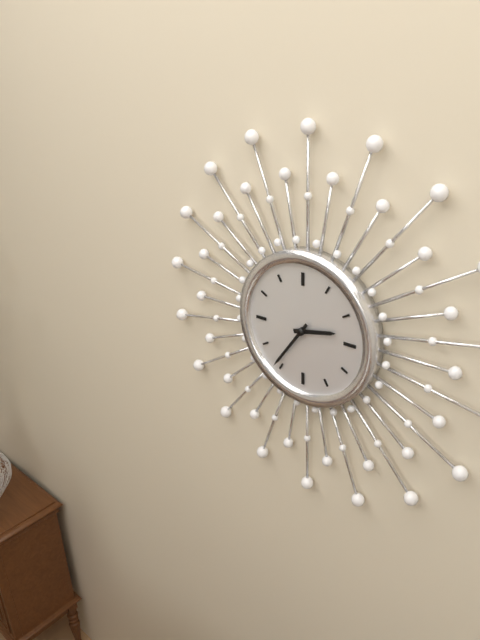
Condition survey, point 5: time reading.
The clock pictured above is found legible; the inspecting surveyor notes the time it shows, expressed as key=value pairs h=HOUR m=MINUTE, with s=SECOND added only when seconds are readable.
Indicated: h=2 m=36
